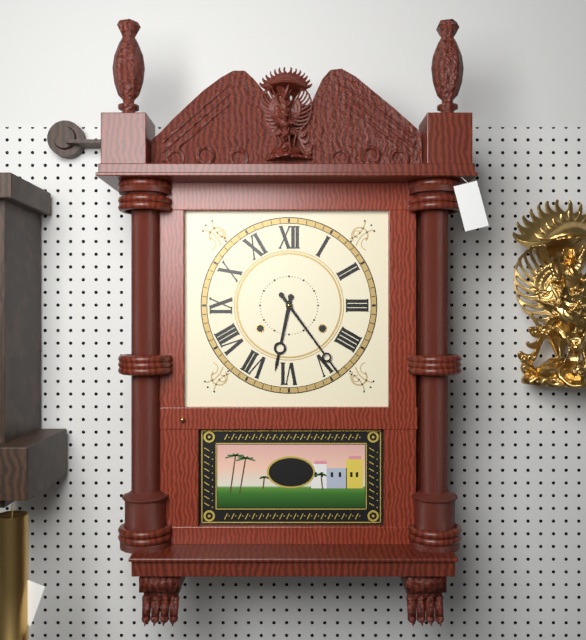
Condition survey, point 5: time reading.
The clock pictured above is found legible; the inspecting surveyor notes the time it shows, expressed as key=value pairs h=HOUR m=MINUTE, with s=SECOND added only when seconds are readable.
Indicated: h=6 m=24
